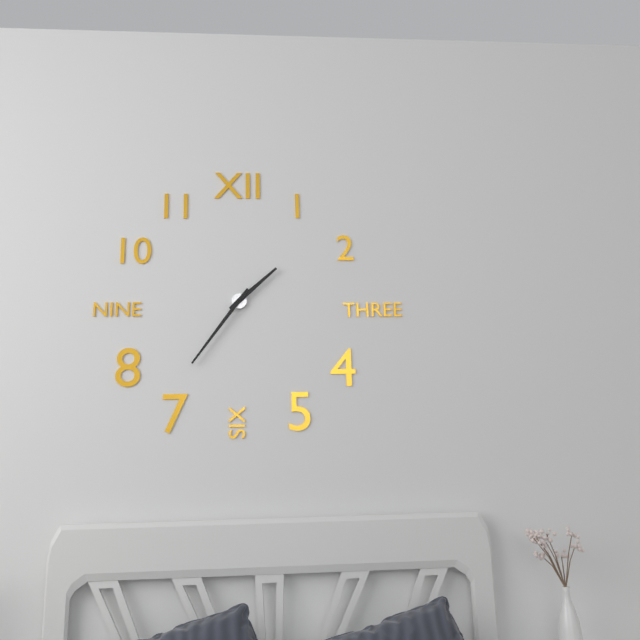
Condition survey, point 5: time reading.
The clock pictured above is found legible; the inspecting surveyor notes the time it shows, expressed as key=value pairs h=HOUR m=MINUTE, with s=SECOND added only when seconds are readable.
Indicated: h=1 m=36
